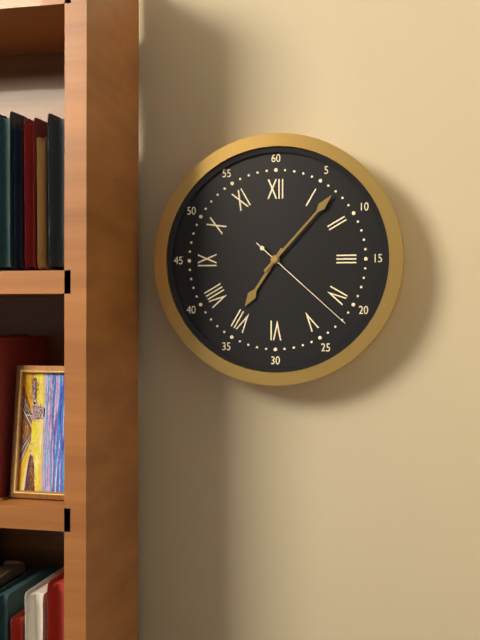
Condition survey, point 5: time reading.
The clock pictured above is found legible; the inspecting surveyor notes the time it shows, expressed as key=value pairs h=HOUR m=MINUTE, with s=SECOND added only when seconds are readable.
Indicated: h=7 m=7 s=22
